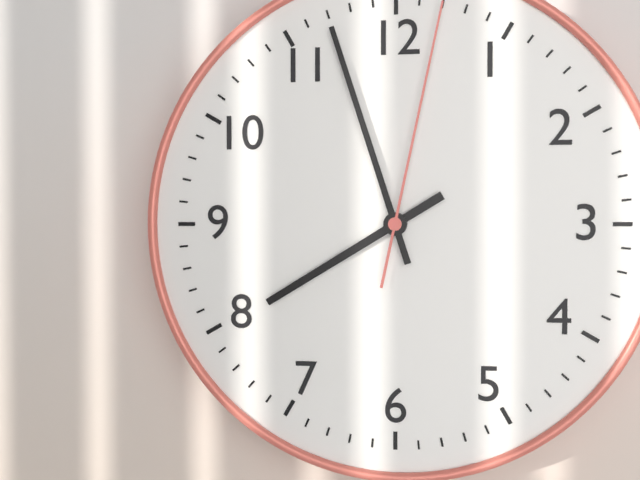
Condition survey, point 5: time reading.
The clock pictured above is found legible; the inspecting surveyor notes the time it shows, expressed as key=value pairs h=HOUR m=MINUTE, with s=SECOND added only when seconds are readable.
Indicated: h=7 m=57 s=2
